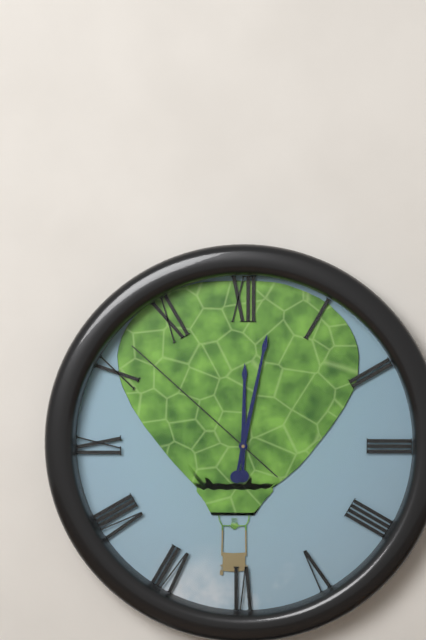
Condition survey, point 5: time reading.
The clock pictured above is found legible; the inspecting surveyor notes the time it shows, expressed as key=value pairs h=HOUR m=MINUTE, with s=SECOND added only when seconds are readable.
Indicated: h=12 m=2 s=52
